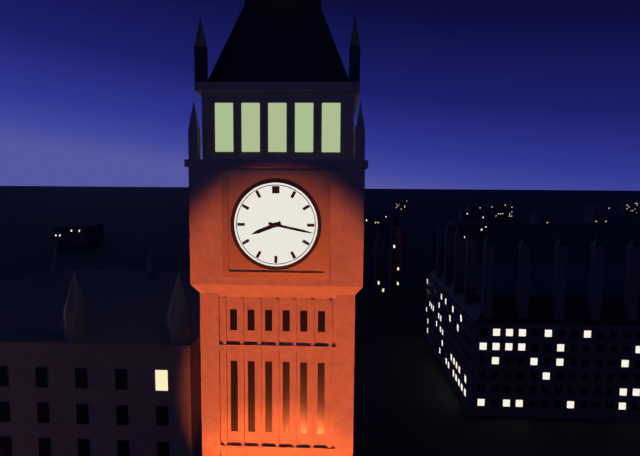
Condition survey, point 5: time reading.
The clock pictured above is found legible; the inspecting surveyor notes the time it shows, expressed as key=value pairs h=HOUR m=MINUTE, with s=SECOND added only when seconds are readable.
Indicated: h=8 m=17
